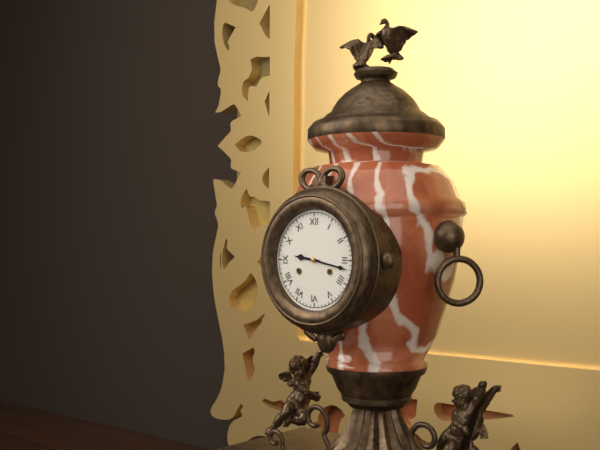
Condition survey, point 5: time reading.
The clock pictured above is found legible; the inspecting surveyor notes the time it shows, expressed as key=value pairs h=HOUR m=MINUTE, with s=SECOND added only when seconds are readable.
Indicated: h=9 m=17
